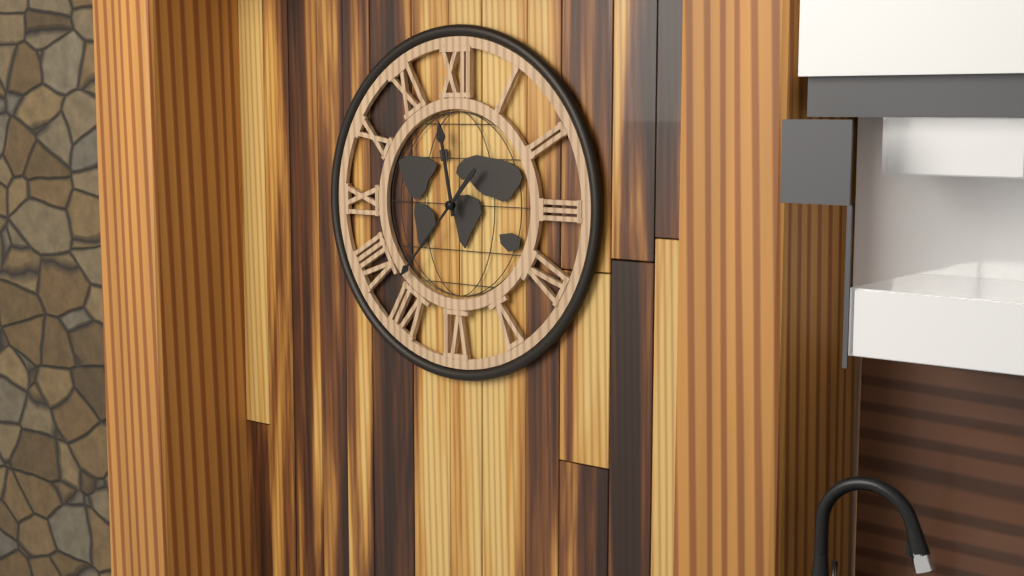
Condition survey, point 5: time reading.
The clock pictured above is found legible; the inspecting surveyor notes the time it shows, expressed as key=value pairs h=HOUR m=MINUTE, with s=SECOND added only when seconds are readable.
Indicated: h=11 m=37
